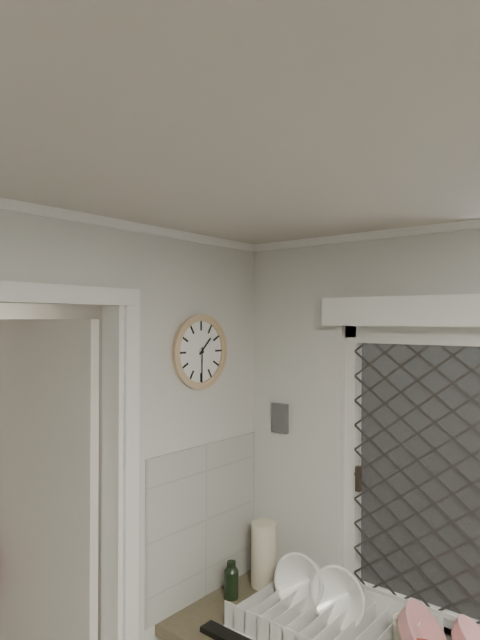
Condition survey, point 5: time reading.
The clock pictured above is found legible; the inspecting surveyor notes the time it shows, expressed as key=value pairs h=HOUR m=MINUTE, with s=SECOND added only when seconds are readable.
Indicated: h=1 m=30
